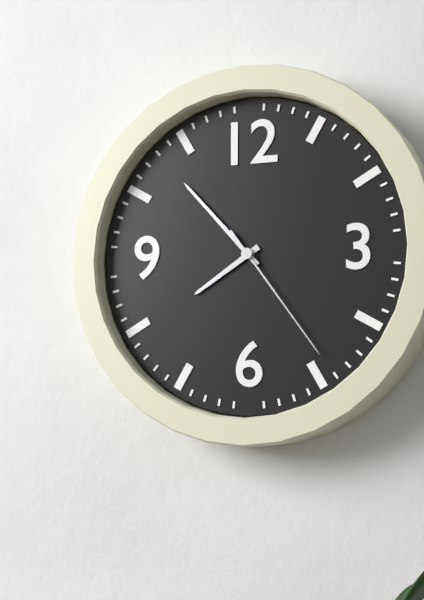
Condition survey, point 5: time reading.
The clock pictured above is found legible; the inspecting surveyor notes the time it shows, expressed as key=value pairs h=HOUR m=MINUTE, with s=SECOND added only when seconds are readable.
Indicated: h=7 m=53 s=24
